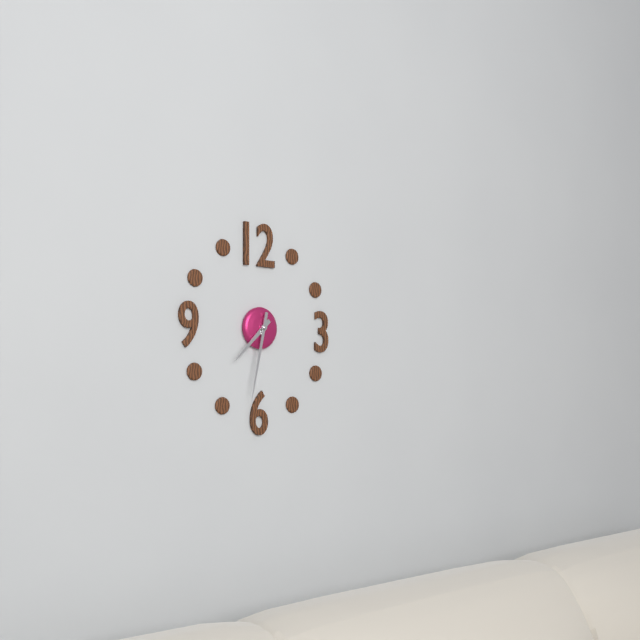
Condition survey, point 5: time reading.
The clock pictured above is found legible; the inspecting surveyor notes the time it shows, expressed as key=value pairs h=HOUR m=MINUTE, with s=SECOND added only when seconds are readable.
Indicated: h=7 m=32
